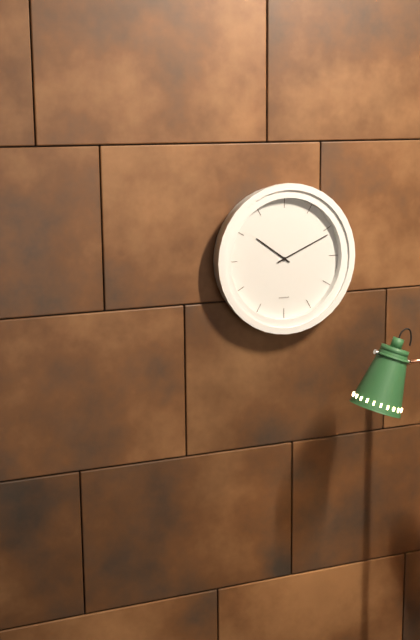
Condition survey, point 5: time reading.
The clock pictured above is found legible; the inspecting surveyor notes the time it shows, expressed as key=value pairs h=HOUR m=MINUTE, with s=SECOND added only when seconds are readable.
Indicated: h=10 m=11
